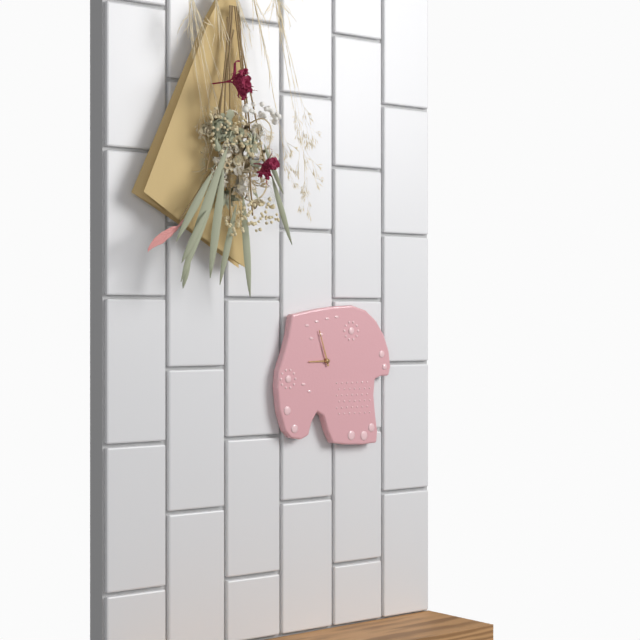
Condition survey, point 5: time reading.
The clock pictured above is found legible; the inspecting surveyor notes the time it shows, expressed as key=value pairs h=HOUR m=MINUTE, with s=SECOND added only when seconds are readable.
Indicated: h=8 m=57
